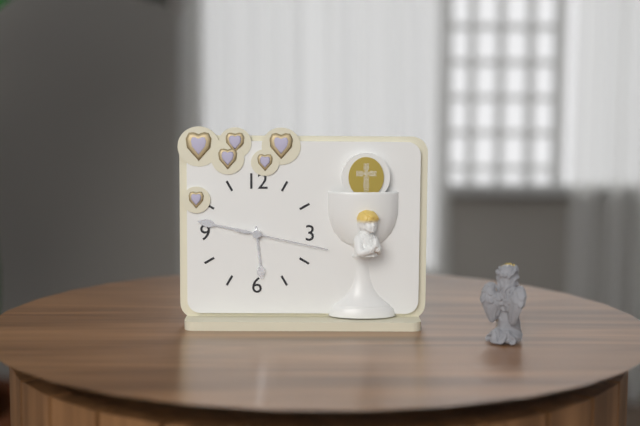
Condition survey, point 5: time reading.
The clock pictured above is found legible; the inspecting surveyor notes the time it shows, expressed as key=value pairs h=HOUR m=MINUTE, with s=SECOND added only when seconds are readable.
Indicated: h=5 m=47 s=17
